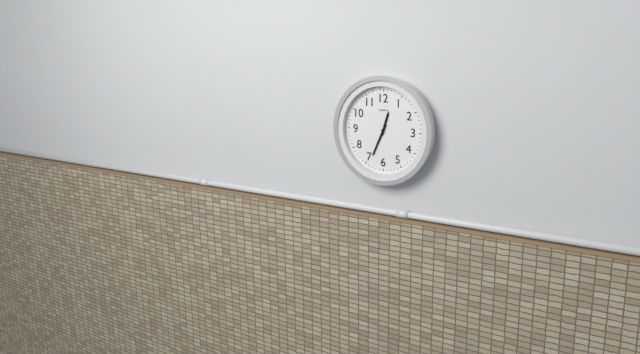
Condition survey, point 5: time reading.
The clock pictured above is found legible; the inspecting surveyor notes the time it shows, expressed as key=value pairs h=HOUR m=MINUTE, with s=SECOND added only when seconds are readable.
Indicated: h=12 m=34
